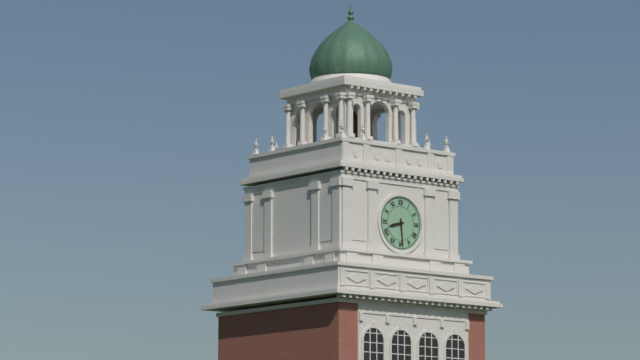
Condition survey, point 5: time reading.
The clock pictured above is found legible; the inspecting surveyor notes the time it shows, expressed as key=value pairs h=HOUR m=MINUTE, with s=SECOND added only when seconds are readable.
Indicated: h=8 m=29
